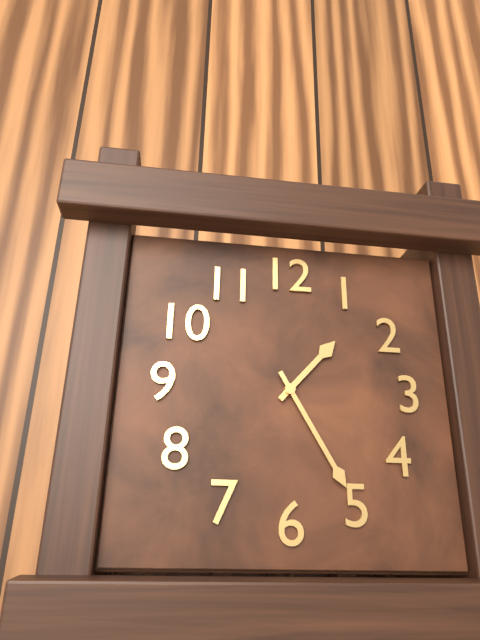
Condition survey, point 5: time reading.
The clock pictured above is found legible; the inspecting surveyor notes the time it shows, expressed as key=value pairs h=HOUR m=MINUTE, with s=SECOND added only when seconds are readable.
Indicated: h=1 m=25
